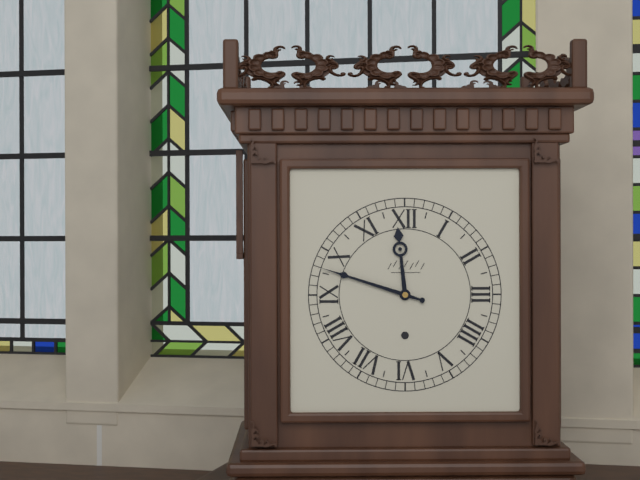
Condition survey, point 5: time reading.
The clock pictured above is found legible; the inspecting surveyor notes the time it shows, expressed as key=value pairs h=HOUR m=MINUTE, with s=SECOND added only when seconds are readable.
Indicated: h=11 m=48
